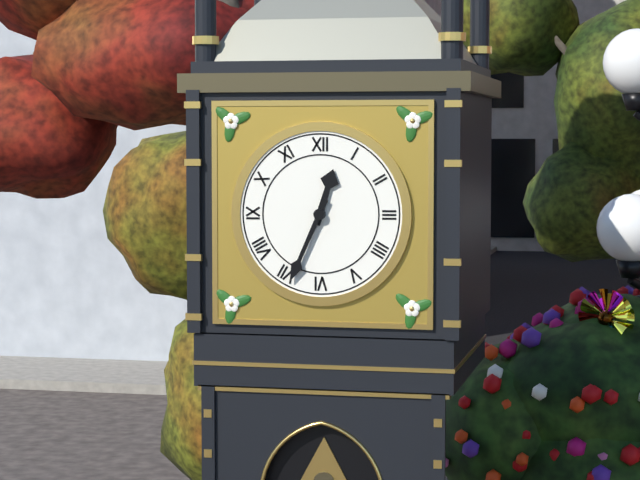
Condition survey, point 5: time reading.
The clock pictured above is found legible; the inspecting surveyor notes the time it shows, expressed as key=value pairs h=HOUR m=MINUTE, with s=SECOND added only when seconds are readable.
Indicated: h=12 m=34
